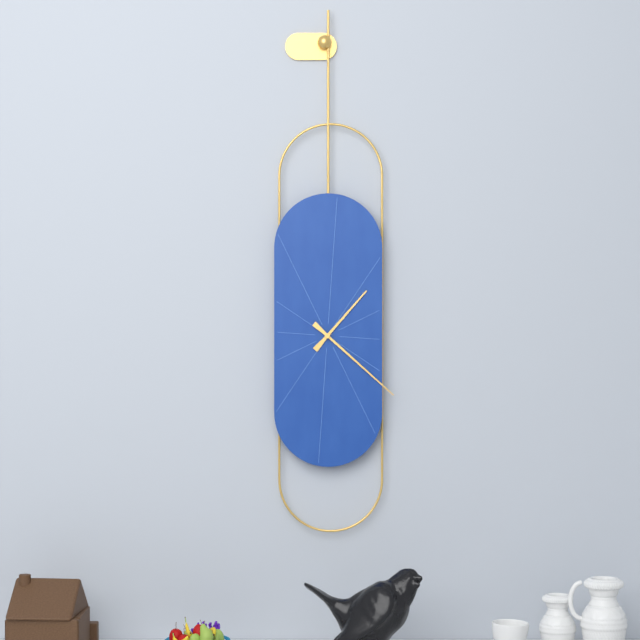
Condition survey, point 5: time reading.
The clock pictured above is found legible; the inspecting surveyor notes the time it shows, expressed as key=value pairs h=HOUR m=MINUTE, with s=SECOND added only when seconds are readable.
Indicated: h=1 m=22
